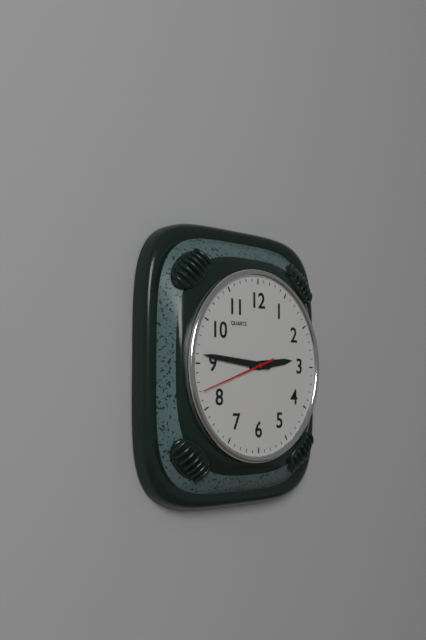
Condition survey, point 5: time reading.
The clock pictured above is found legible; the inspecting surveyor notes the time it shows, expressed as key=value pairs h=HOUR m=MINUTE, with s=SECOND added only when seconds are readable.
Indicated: h=2 m=46
